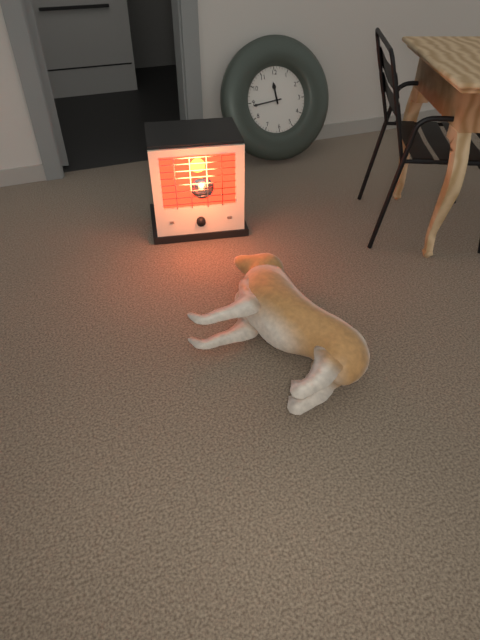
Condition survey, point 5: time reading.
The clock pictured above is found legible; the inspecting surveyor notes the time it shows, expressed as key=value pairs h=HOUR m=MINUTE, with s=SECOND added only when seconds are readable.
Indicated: h=11 m=44
